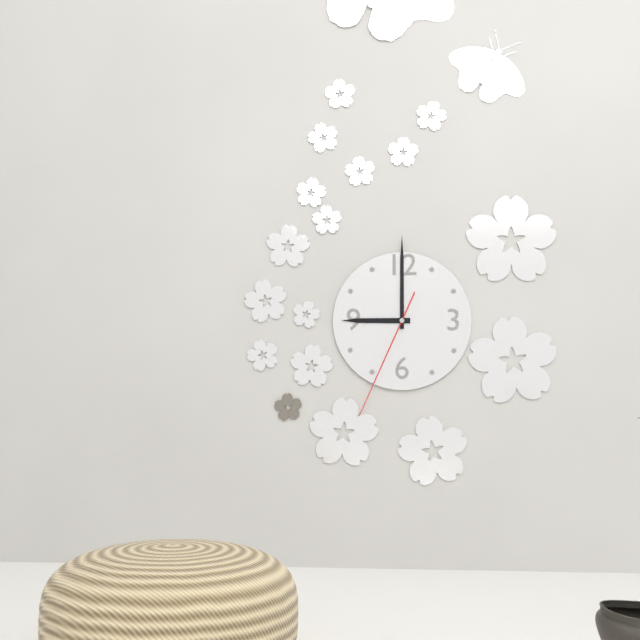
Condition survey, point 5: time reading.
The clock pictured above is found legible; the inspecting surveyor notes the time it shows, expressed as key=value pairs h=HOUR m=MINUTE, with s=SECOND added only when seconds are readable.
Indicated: h=9 m=0 s=34
